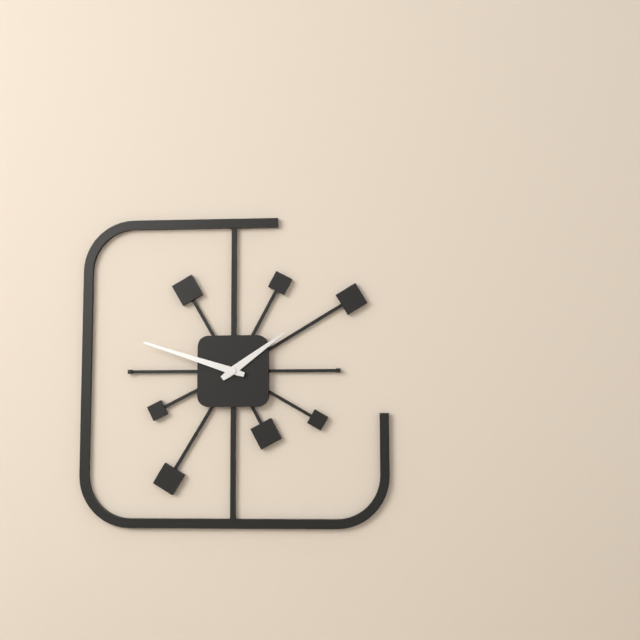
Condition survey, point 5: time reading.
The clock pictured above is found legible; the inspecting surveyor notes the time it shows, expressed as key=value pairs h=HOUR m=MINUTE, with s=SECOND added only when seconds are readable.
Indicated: h=1 m=48
